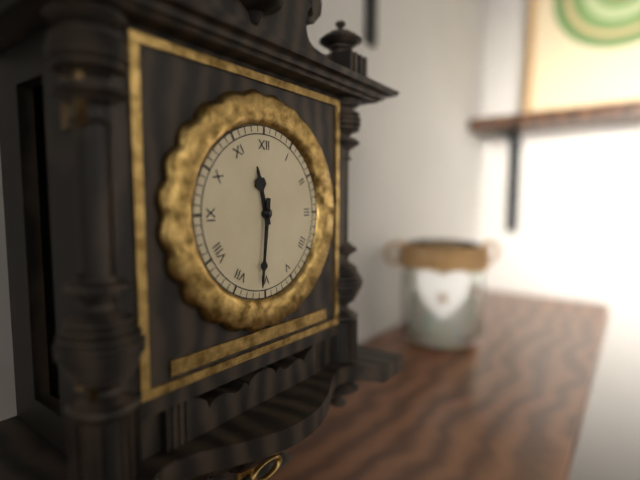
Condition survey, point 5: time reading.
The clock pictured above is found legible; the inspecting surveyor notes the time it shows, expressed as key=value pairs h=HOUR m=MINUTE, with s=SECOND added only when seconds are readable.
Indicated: h=11 m=31
